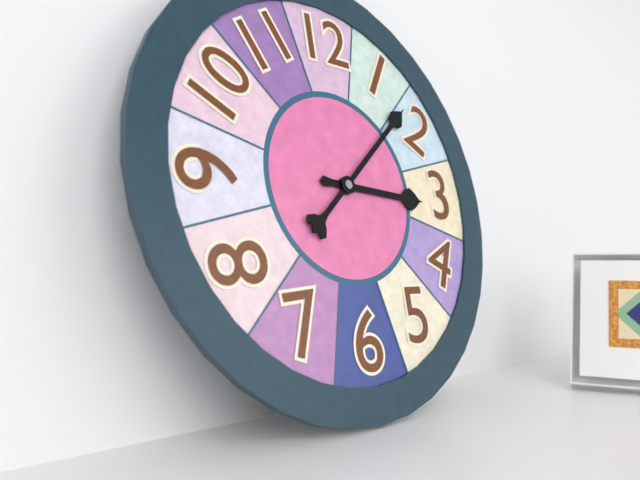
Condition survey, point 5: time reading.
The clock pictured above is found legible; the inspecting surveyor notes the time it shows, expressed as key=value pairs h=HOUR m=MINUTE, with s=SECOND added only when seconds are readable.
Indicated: h=3 m=8
